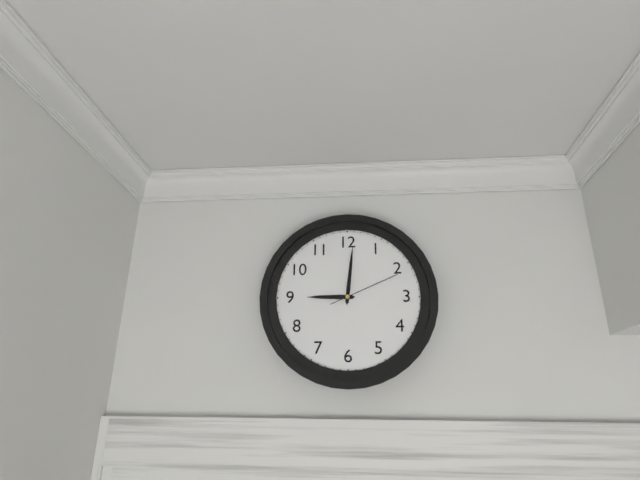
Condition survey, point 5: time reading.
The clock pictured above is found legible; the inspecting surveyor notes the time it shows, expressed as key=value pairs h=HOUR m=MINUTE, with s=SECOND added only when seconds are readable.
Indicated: h=9 m=1 s=11
